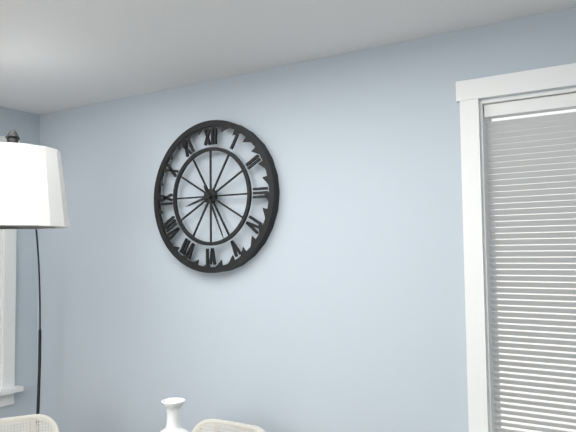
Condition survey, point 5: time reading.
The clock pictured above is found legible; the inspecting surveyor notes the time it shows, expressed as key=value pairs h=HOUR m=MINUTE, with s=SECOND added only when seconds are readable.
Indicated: h=8 m=26
